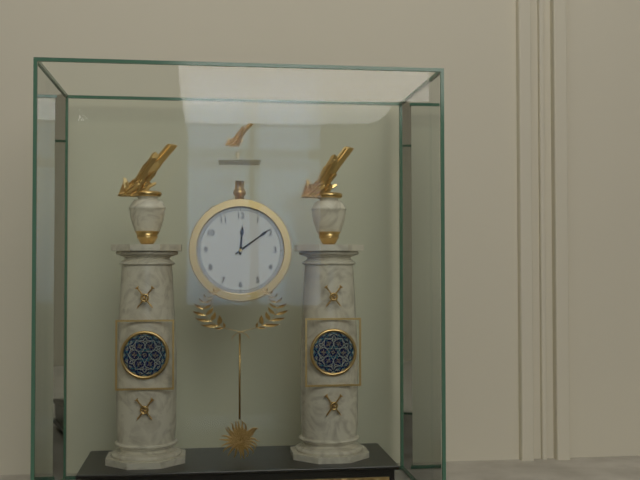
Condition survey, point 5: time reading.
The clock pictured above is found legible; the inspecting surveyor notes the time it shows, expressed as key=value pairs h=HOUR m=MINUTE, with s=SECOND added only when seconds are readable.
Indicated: h=12 m=9
